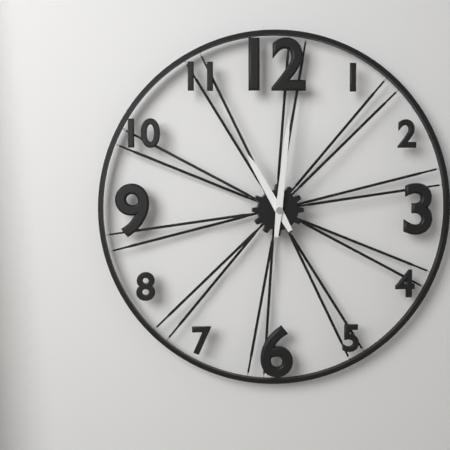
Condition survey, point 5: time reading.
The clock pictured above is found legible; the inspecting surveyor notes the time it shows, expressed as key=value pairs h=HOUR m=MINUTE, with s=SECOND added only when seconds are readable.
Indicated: h=11 m=1
